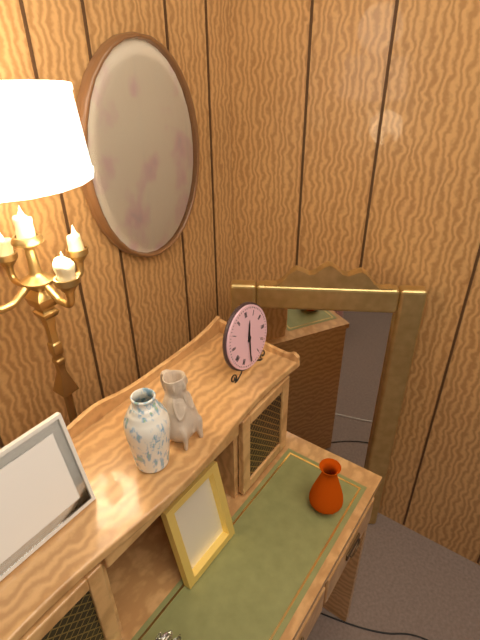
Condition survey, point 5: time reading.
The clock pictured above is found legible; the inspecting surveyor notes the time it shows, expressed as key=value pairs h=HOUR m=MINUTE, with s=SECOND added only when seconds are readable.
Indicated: h=12 m=31
